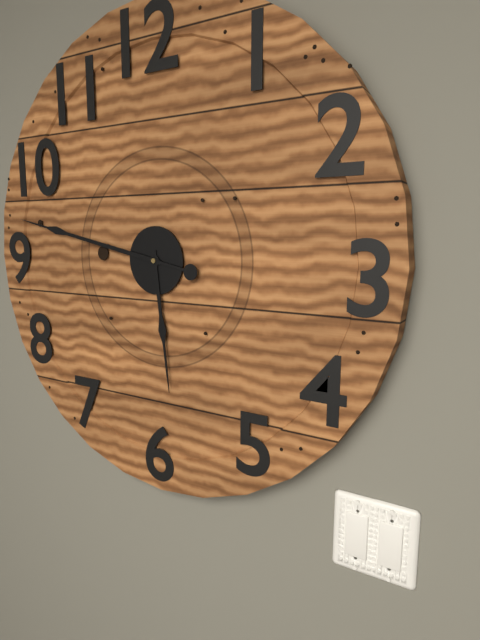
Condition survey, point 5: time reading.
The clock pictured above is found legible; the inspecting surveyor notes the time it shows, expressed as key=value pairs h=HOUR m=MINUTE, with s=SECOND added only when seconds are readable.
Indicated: h=5 m=47
